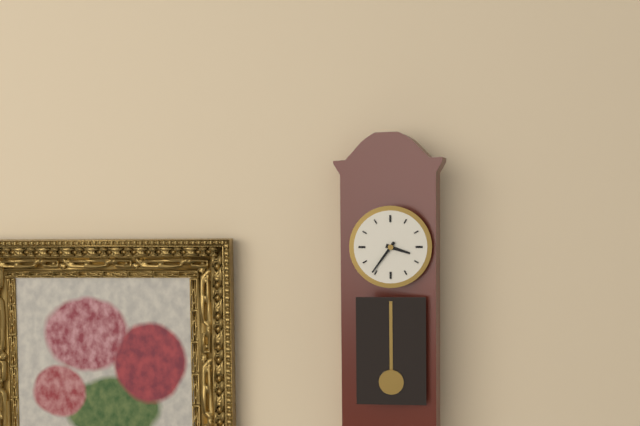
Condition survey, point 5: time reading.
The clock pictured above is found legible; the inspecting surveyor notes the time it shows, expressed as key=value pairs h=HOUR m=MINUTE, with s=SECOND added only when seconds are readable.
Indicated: h=3 m=36
